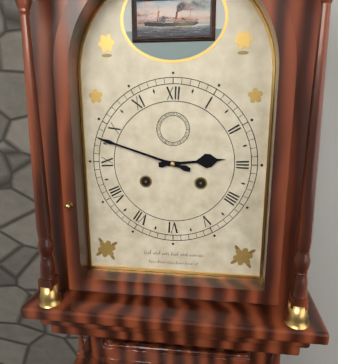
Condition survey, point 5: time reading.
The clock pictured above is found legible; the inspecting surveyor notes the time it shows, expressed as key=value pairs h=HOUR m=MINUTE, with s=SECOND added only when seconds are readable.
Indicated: h=2 m=48
